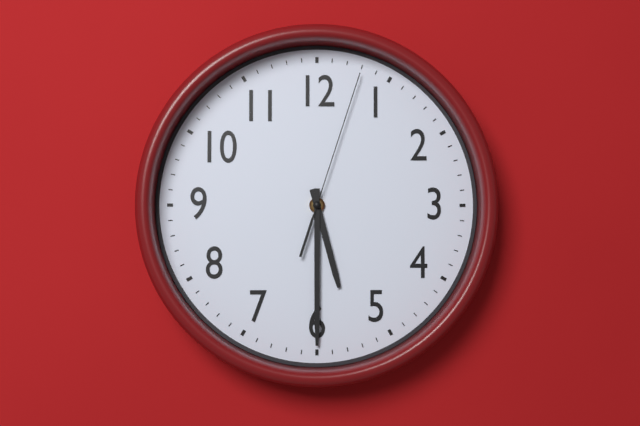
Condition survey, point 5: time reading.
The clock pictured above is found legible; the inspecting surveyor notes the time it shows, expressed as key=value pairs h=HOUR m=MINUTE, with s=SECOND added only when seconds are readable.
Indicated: h=5 m=30 s=3
